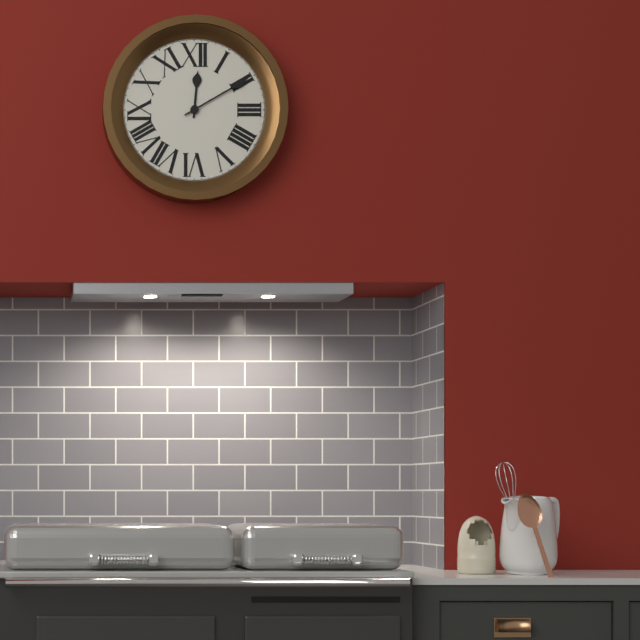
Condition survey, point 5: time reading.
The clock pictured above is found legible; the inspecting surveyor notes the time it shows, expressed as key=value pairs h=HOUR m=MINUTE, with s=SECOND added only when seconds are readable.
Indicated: h=12 m=10
